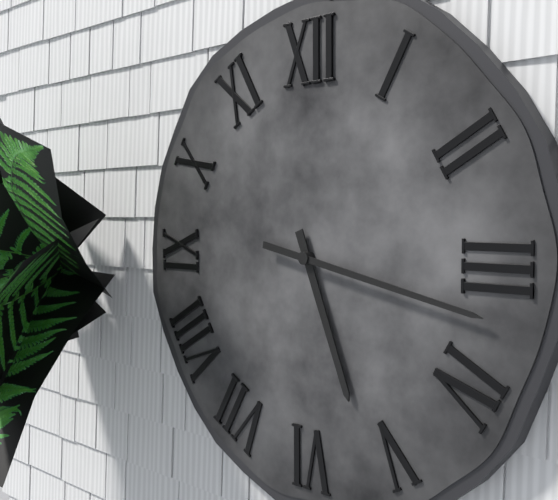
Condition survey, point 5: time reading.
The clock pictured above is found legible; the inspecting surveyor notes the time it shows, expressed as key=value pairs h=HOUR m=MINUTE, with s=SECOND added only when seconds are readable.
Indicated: h=5 m=17
